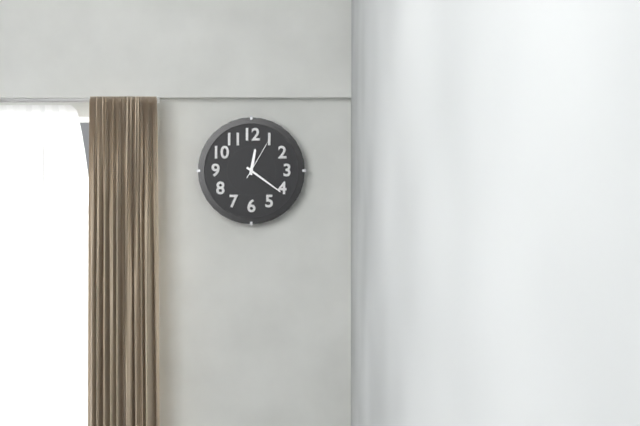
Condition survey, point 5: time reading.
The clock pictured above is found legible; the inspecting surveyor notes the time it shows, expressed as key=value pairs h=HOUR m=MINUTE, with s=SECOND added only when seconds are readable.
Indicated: h=12 m=21
